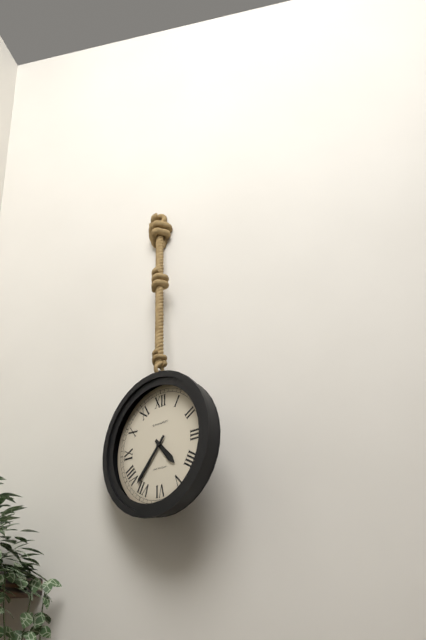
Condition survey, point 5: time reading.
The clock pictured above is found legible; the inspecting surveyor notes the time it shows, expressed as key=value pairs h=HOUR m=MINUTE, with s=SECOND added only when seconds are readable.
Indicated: h=4 m=37
